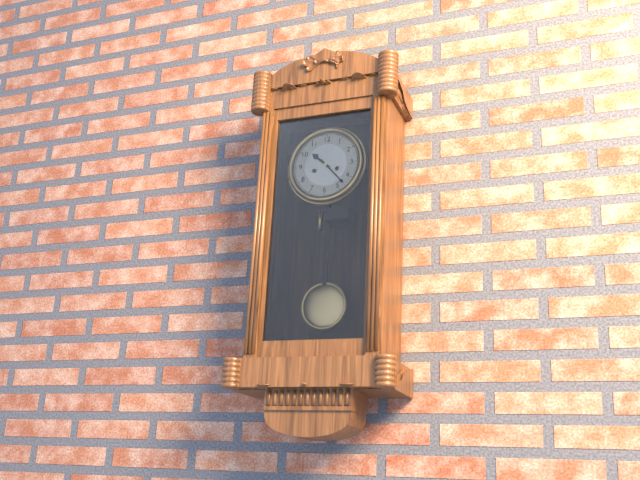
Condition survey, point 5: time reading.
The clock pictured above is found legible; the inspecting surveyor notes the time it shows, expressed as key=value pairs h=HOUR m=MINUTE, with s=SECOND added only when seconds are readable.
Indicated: h=10 m=23
